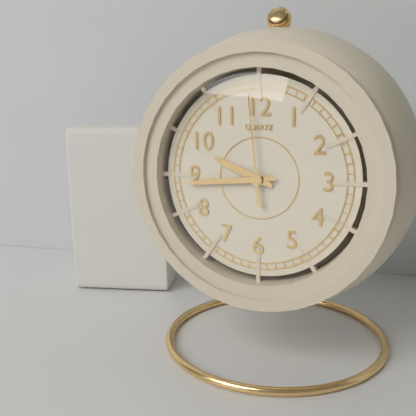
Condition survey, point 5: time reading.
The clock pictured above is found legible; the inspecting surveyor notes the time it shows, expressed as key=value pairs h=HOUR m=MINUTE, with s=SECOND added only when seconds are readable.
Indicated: h=9 m=44 s=59
